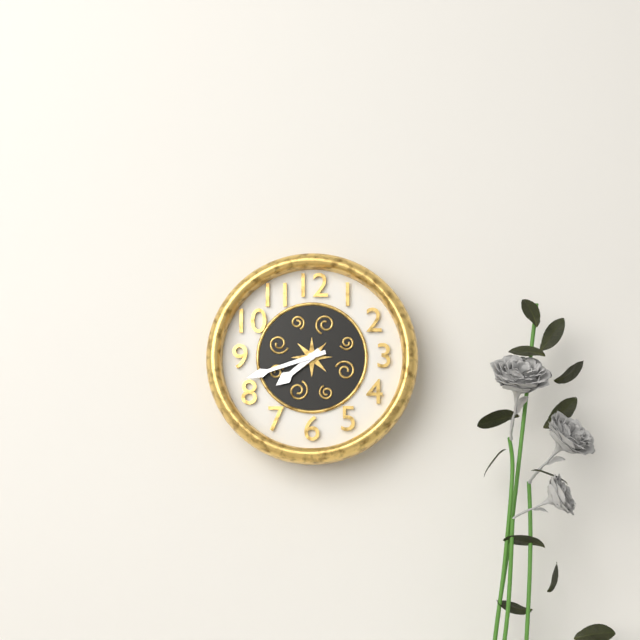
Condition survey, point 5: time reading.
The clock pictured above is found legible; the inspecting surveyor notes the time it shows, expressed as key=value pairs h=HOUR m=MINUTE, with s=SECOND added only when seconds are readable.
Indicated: h=7 m=42
